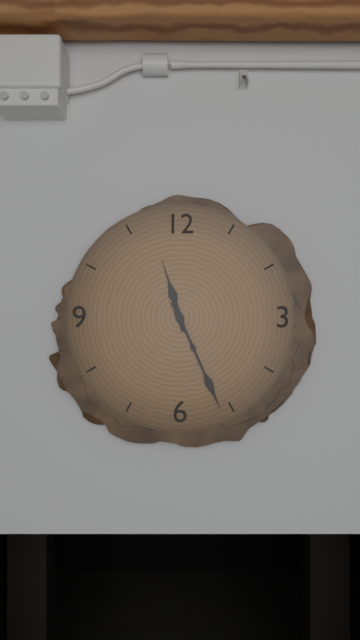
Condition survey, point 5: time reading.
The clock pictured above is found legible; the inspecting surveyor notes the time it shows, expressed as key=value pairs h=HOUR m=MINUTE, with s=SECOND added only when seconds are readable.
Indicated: h=11 m=26
